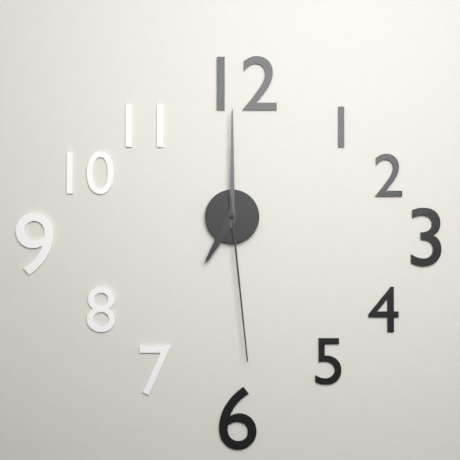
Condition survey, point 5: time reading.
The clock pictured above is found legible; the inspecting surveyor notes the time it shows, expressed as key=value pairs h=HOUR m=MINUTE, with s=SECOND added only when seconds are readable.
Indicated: h=7 m=0 s=29
